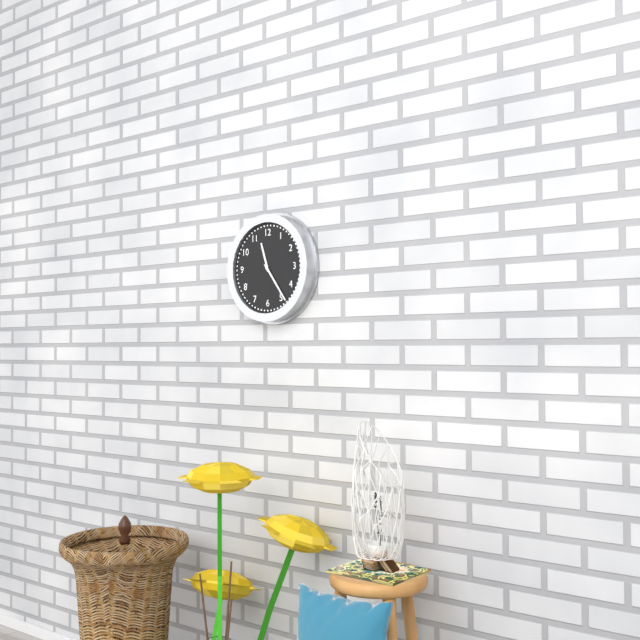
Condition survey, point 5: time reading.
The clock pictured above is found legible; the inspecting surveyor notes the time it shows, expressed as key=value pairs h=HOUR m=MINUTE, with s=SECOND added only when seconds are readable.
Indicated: h=11 m=24
